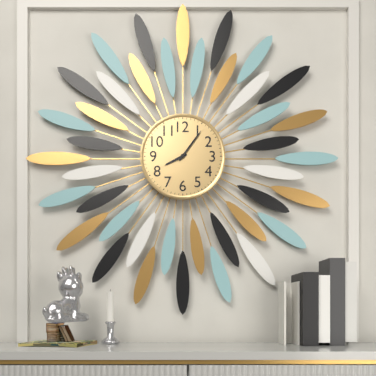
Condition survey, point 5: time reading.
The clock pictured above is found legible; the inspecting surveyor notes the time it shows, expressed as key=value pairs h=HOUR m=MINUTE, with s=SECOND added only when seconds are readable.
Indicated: h=8 m=6
